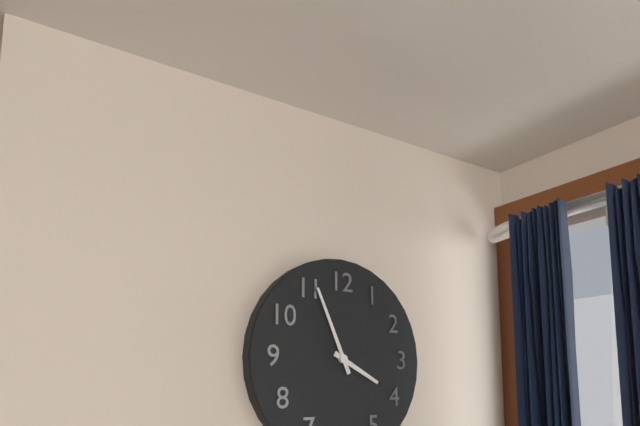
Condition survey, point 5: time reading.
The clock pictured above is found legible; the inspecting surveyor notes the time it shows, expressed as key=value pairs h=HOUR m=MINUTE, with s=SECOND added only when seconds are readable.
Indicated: h=3 m=56
